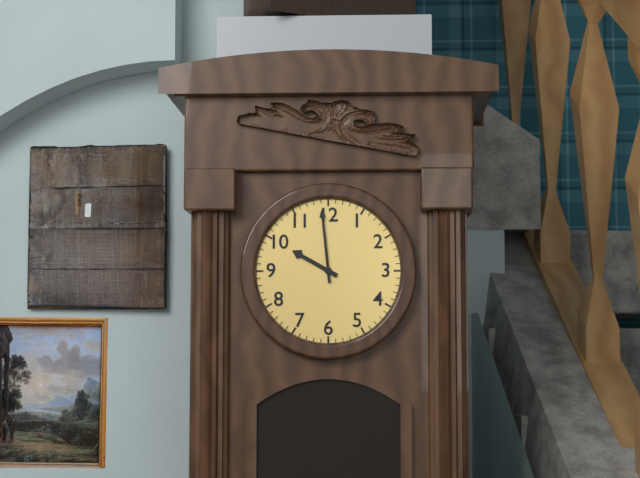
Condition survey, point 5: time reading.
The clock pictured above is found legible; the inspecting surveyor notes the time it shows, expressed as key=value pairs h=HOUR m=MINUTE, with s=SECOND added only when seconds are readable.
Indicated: h=9 m=59
